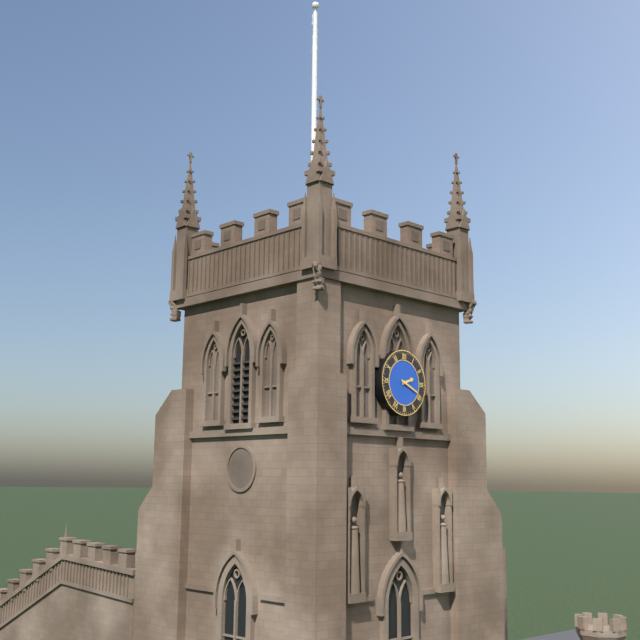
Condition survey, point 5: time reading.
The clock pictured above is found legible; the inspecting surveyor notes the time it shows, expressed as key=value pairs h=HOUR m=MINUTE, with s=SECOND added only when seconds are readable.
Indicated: h=2 m=19
